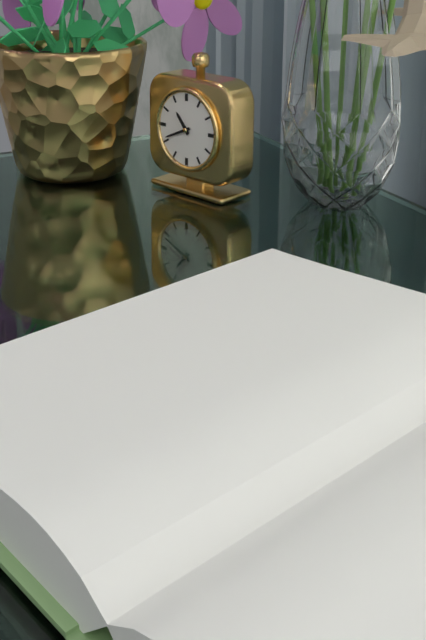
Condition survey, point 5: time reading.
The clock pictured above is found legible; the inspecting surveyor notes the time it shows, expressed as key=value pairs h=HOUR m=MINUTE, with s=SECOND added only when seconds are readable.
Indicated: h=10 m=41
